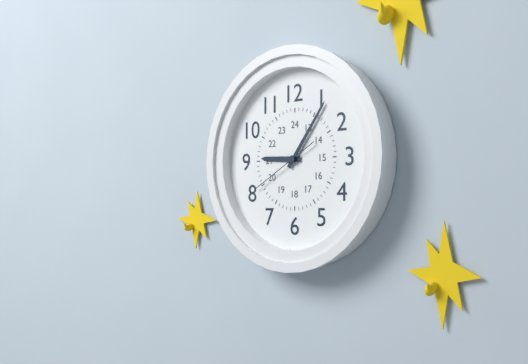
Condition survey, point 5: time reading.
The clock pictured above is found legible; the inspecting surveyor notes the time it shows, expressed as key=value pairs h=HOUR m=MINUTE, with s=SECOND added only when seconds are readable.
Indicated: h=9 m=6 s=40
